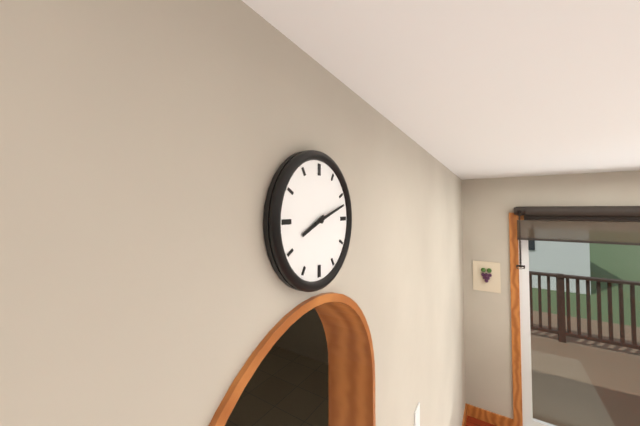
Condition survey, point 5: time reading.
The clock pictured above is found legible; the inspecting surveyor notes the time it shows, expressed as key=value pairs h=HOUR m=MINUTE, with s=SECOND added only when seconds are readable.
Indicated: h=8 m=12
